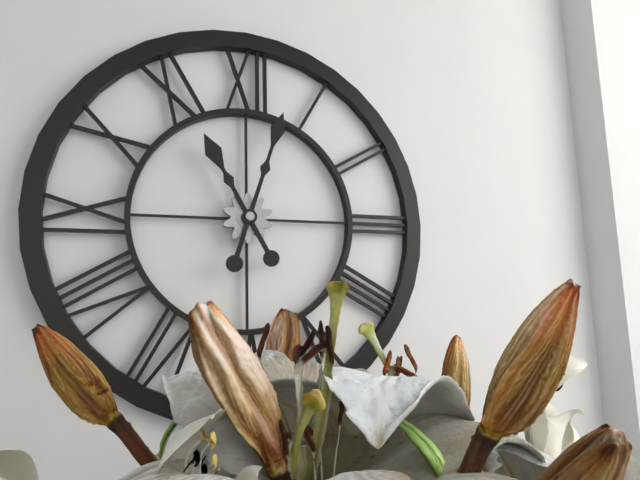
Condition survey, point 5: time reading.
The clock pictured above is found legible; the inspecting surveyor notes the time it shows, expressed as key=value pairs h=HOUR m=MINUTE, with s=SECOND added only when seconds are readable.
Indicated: h=11 m=3
